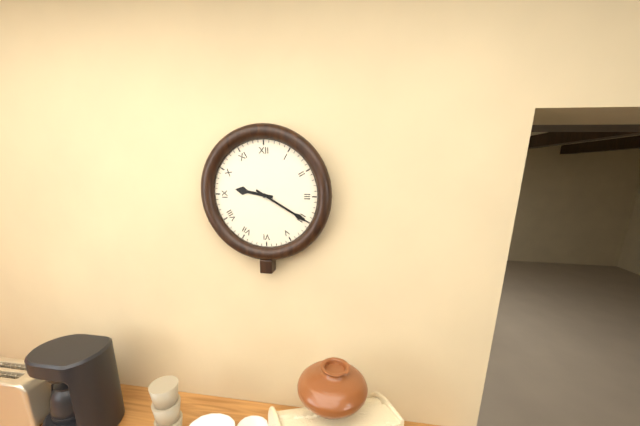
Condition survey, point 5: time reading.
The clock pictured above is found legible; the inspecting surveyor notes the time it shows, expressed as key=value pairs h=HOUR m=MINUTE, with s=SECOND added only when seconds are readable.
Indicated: h=9 m=20
